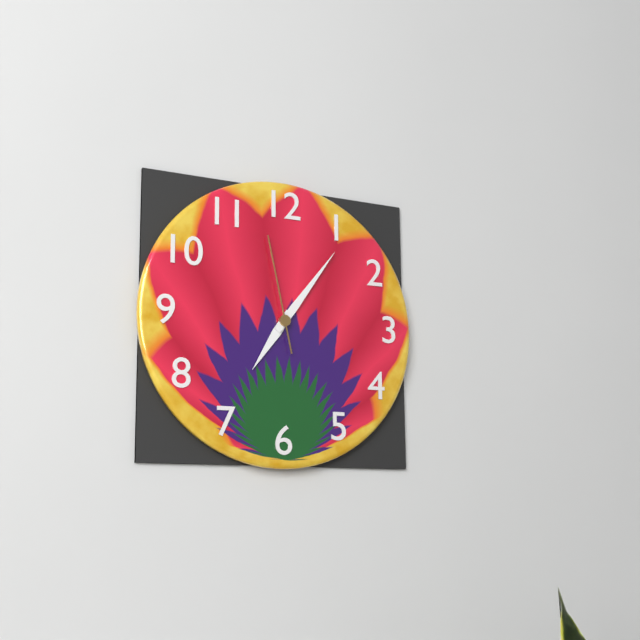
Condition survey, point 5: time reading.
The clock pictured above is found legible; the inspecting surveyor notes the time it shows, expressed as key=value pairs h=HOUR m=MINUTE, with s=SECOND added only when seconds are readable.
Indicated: h=7 m=6 s=58
